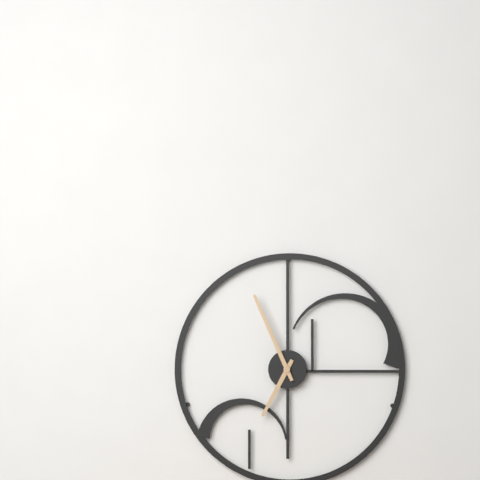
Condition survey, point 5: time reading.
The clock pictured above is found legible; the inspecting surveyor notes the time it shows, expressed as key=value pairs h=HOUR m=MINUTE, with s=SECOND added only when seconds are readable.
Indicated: h=6 m=56
